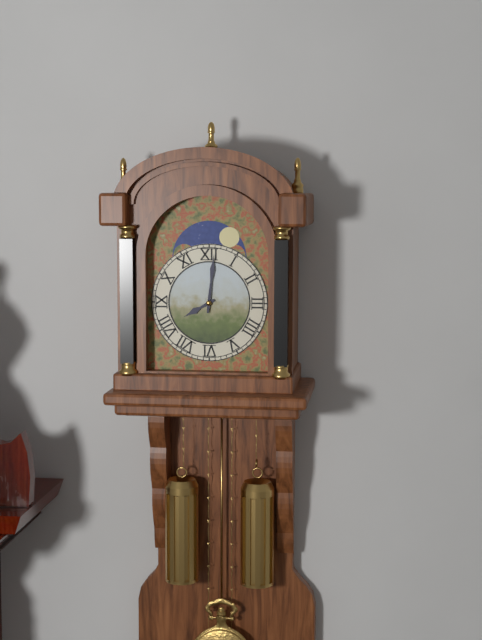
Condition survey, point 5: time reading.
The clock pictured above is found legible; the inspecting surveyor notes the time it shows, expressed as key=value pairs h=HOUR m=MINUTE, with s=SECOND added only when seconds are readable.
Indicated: h=8 m=1
